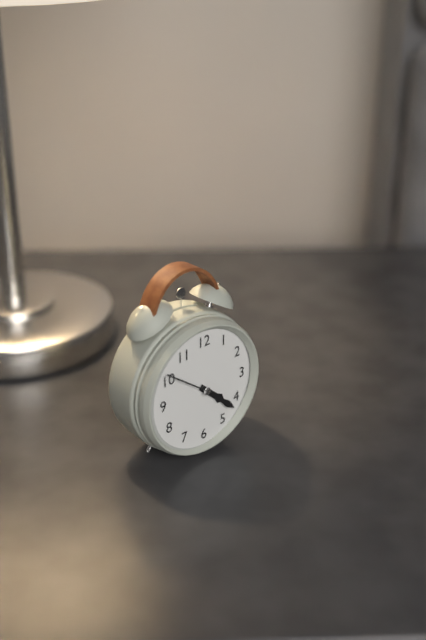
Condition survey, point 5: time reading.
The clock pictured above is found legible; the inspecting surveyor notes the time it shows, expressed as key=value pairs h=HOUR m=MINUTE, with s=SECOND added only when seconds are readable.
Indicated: h=4 m=22 s=51
